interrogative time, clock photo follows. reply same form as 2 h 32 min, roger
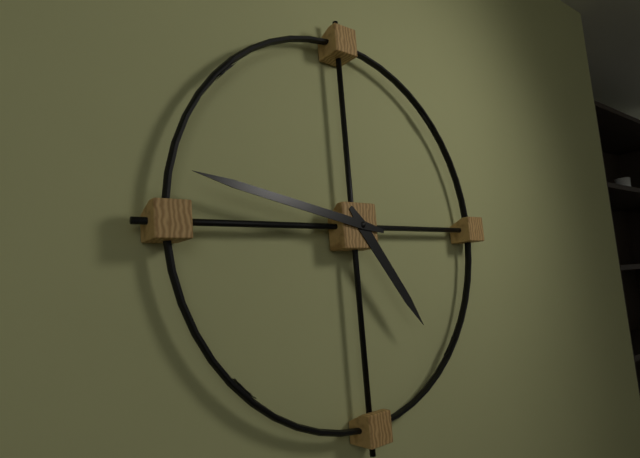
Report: 4 h 47 min
